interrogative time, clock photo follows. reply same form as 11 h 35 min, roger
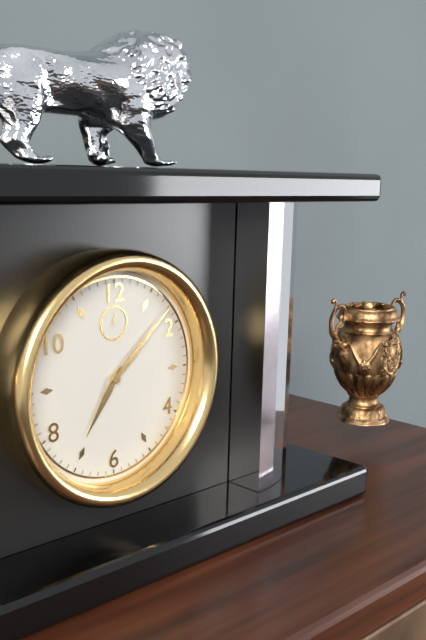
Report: 7 h 08 min
